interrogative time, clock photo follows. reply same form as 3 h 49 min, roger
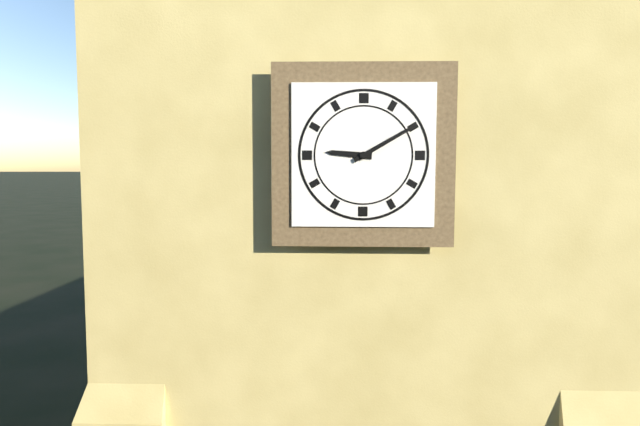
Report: 9 h 10 min
